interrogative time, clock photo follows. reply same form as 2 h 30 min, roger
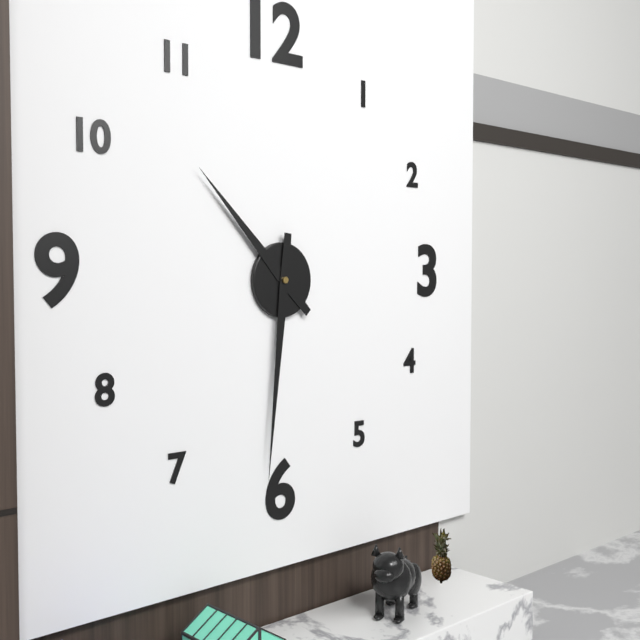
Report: 10 h 31 min
